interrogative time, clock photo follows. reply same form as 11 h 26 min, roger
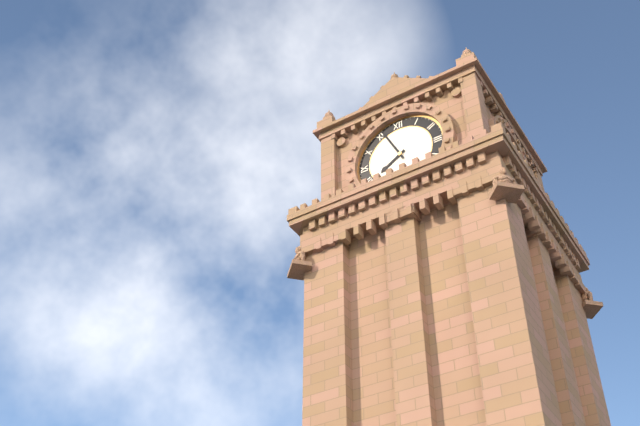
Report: 7 h 56 min
